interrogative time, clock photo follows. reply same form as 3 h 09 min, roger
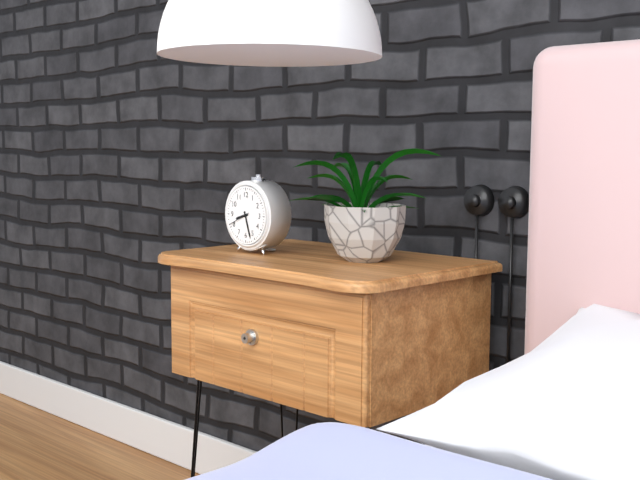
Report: 8 h 27 min
